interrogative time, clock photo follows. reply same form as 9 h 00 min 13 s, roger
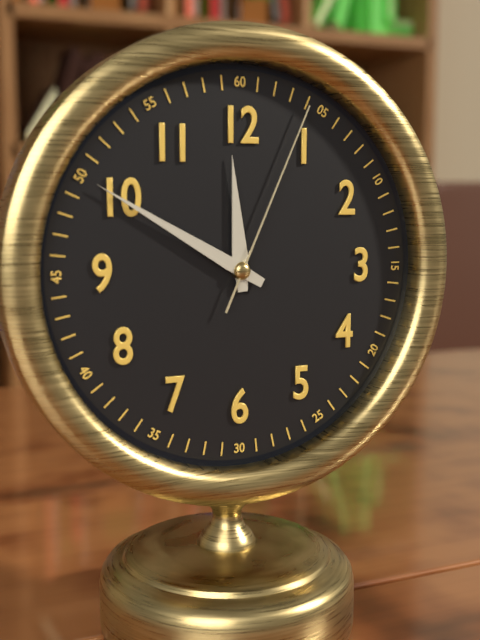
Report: 11 h 50 min 04 s
